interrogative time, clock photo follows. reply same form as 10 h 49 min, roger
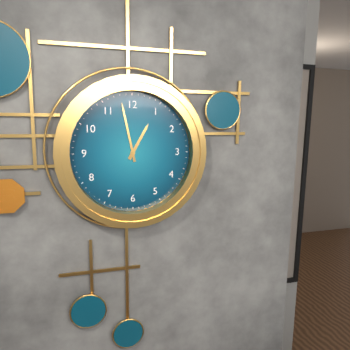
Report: 12 h 58 min
